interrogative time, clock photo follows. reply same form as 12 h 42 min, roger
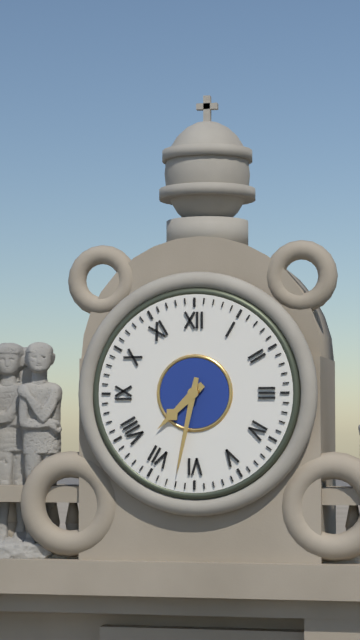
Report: 7 h 32 min
